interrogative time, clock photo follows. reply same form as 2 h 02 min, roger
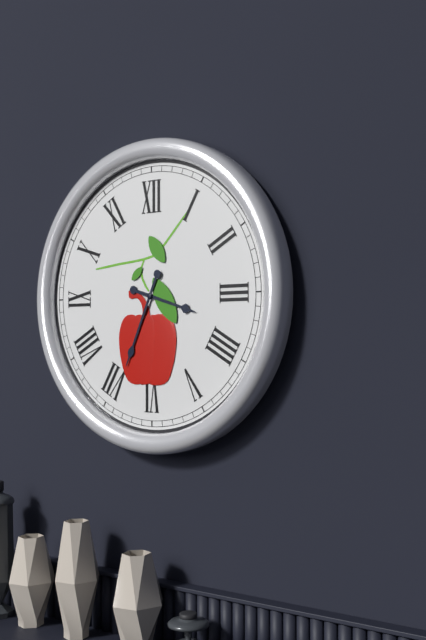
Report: 3 h 34 min
